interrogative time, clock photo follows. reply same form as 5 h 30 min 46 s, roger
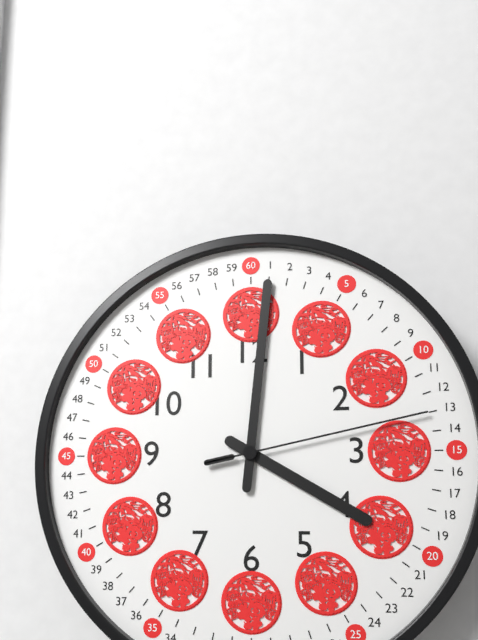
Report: 4 h 01 min 13 s
